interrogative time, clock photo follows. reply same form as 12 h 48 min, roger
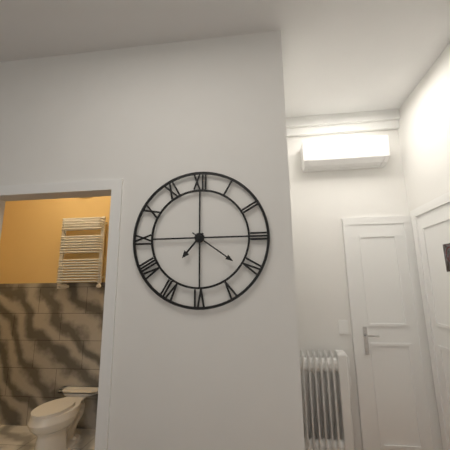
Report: 7 h 21 min
